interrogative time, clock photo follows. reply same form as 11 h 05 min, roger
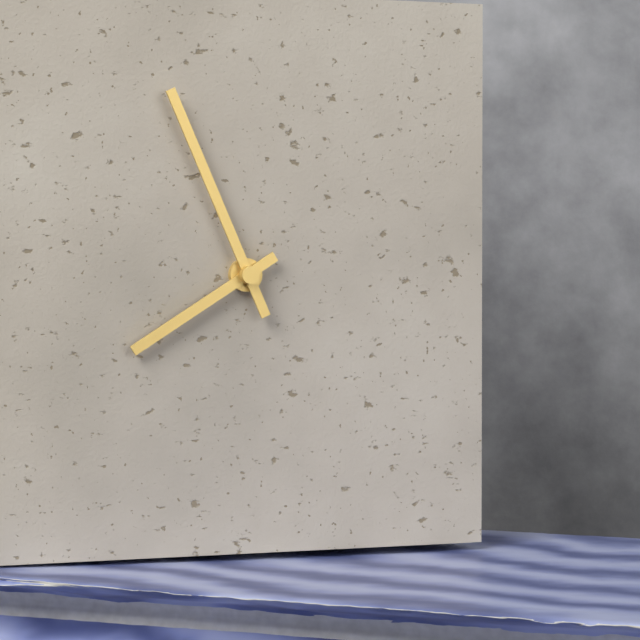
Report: 7 h 56 min
